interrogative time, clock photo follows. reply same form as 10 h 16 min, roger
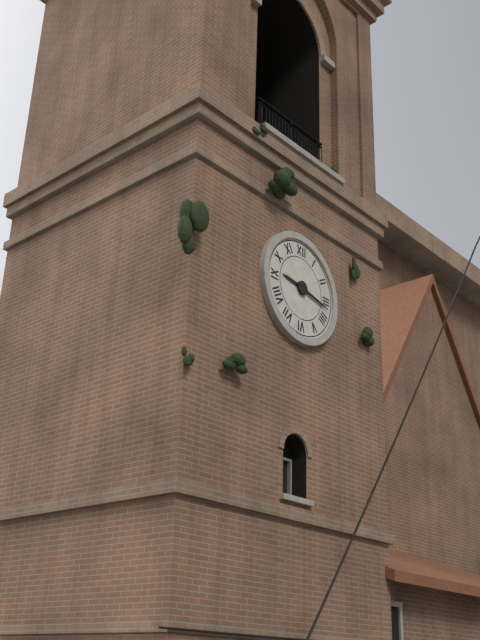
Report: 9 h 17 min
